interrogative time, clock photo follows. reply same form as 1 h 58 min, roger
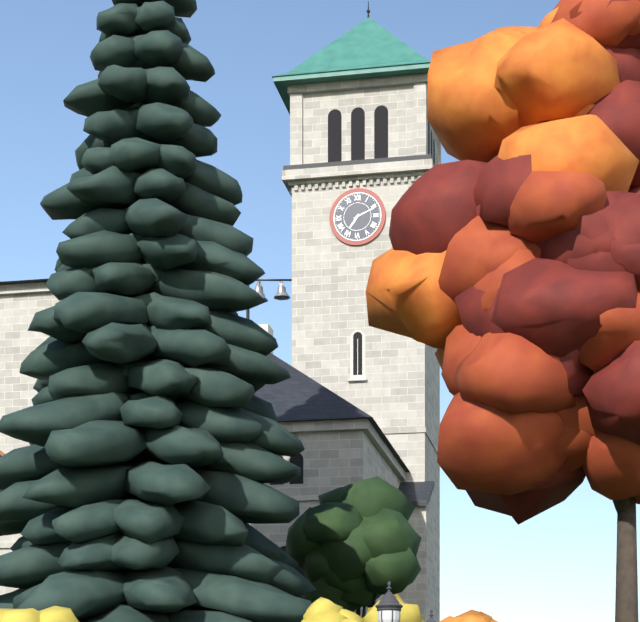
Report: 7 h 11 min
